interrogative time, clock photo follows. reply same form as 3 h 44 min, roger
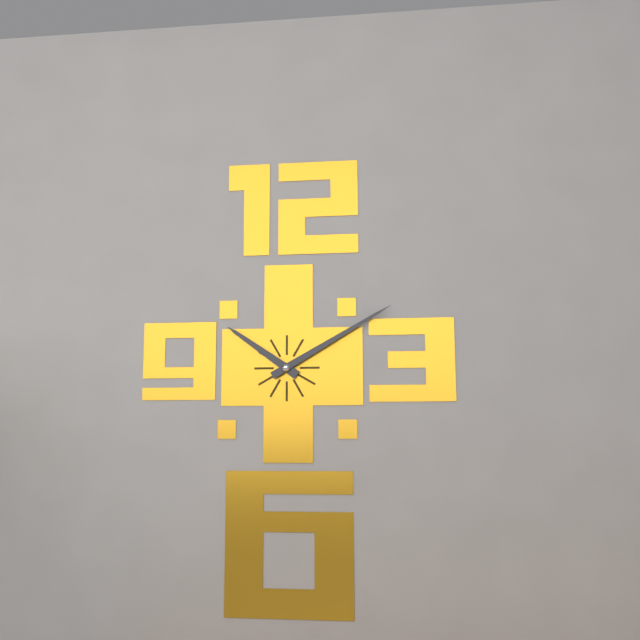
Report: 10 h 10 min
